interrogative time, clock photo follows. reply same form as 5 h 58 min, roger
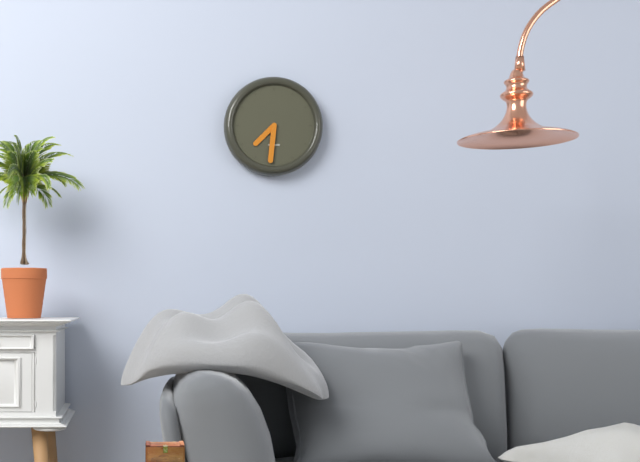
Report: 7 h 31 min
